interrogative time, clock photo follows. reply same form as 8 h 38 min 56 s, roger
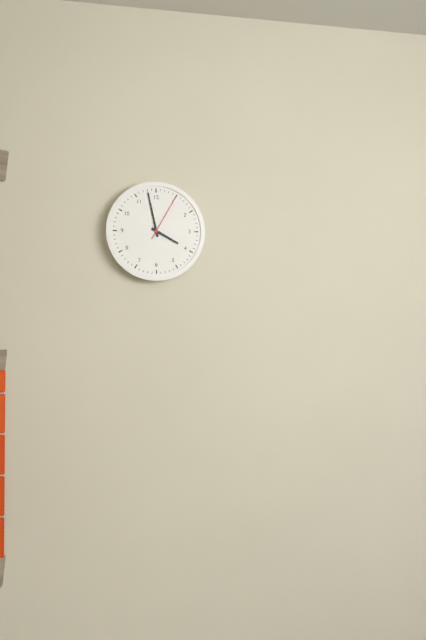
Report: 3 h 58 min 05 s
